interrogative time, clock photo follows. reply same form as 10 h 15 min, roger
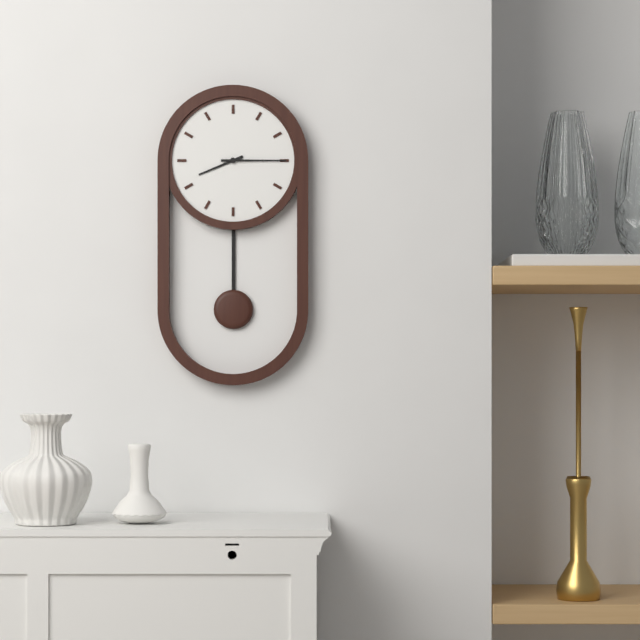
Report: 8 h 15 min
